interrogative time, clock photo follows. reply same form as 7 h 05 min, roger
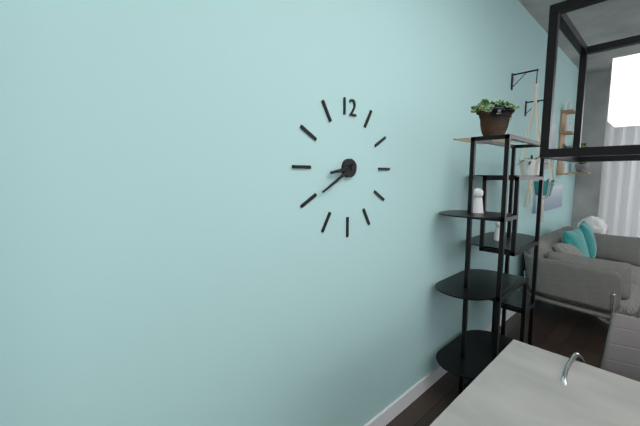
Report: 8 h 40 min
